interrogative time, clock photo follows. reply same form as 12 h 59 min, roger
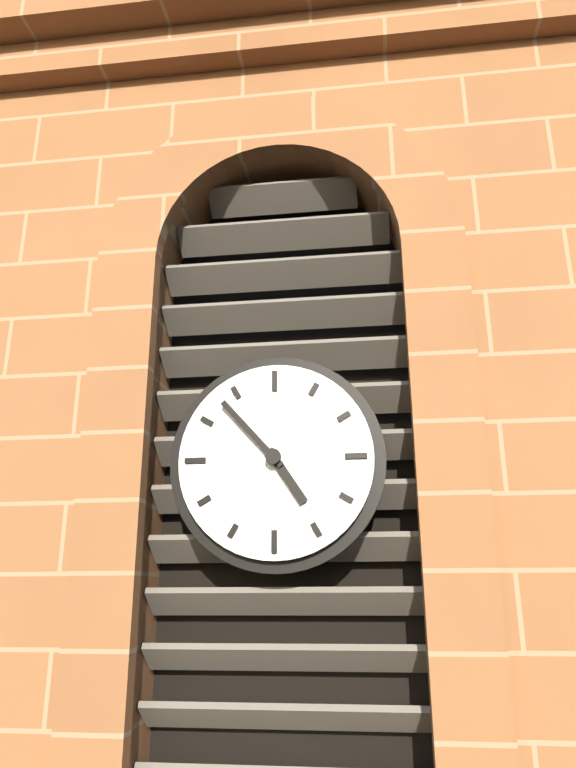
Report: 4 h 53 min
